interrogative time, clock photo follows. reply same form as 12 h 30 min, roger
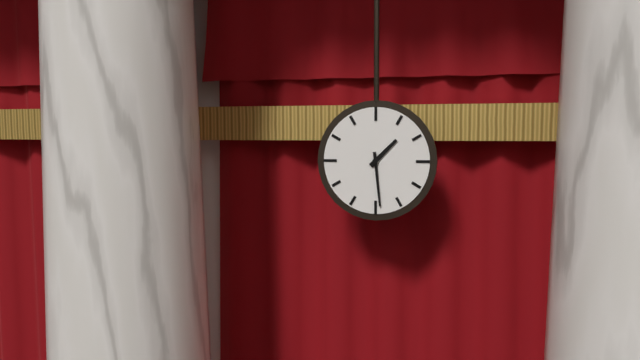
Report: 1 h 29 min
